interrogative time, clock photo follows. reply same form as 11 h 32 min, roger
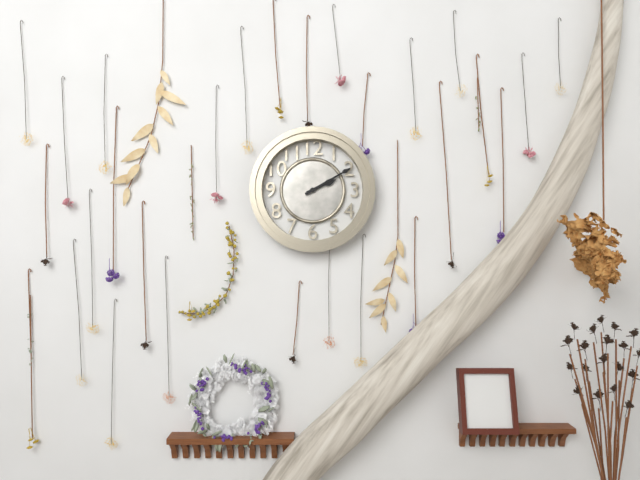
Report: 2 h 10 min
